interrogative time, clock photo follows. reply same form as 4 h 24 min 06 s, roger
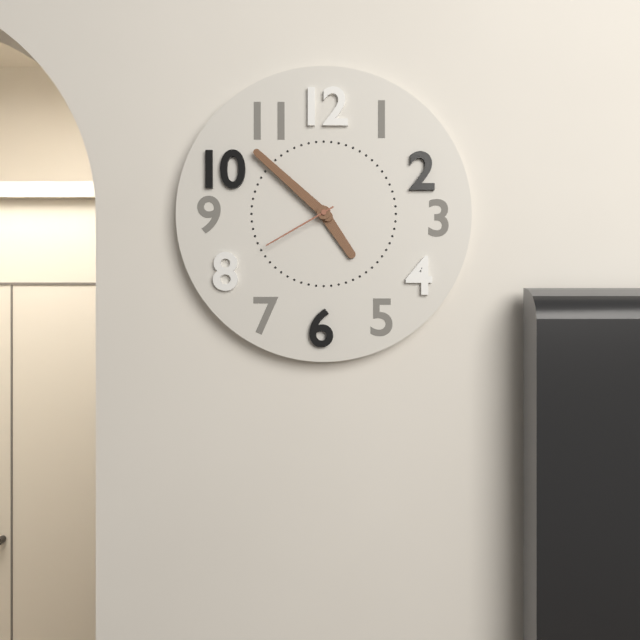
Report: 4 h 52 min 40 s
